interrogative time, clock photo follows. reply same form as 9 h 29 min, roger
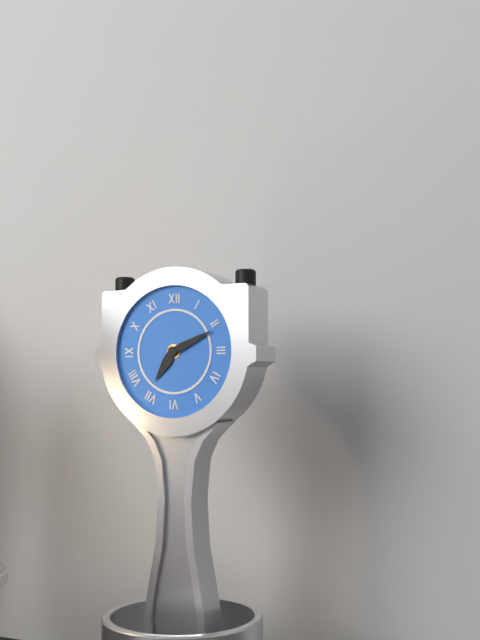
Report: 7 h 11 min
